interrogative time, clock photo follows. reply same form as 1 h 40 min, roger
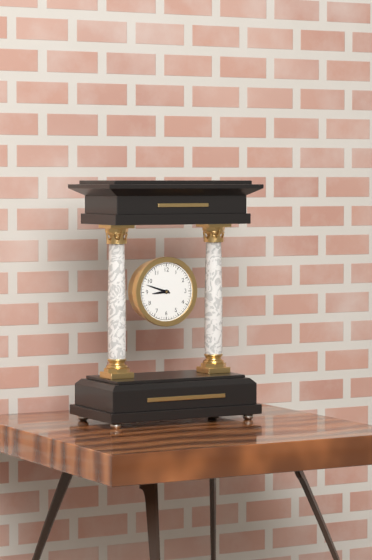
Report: 8 h 48 min
